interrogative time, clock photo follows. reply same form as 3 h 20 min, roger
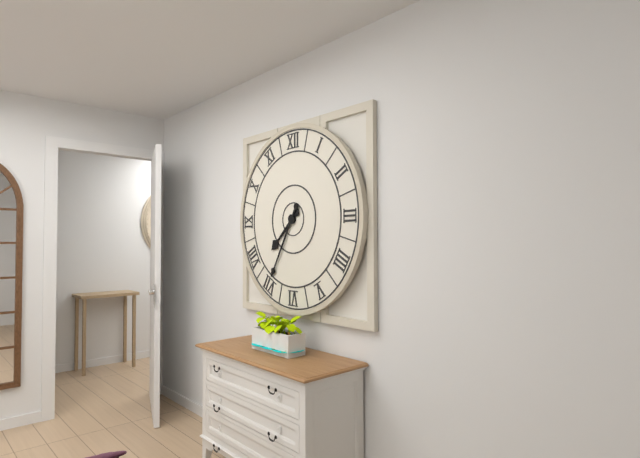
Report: 7 h 35 min
